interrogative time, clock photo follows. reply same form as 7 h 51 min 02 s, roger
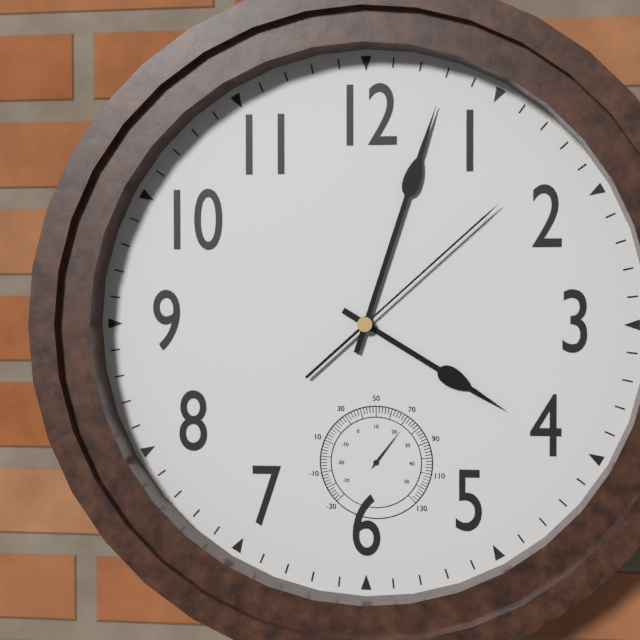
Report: 4 h 03 min 08 s
